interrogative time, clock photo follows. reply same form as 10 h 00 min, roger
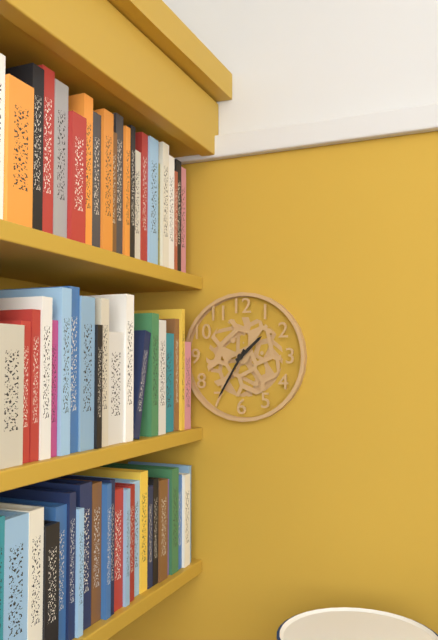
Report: 1 h 35 min
